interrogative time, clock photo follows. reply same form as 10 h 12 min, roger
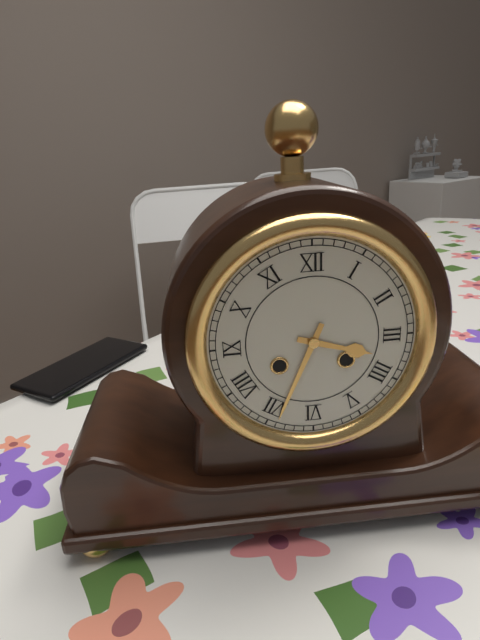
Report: 3 h 34 min
